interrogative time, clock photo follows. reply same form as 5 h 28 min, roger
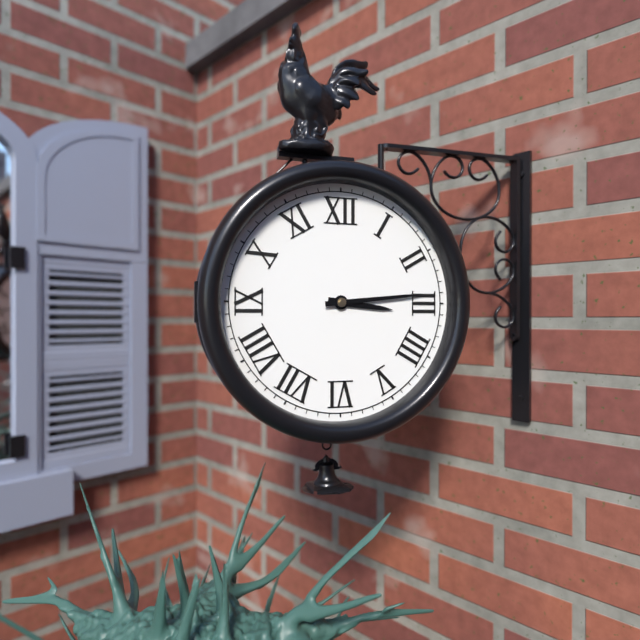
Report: 3 h 14 min
